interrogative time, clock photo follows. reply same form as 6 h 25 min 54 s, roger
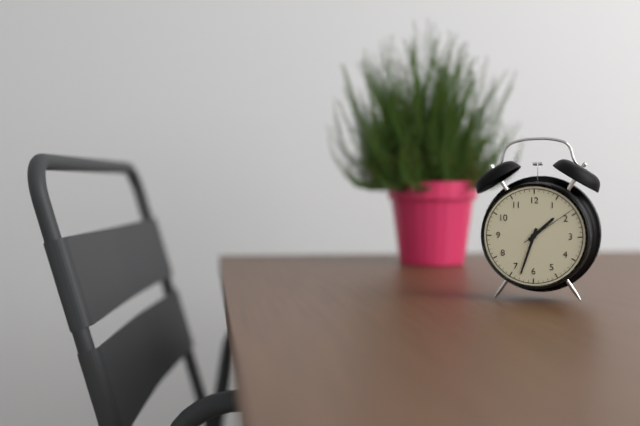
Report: 1 h 33 min 09 s
